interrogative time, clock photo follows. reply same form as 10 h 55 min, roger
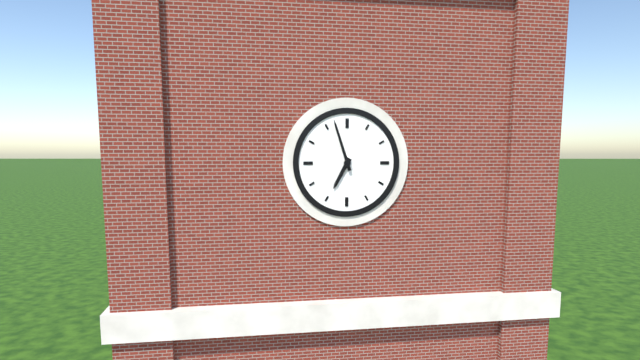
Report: 6 h 57 min
